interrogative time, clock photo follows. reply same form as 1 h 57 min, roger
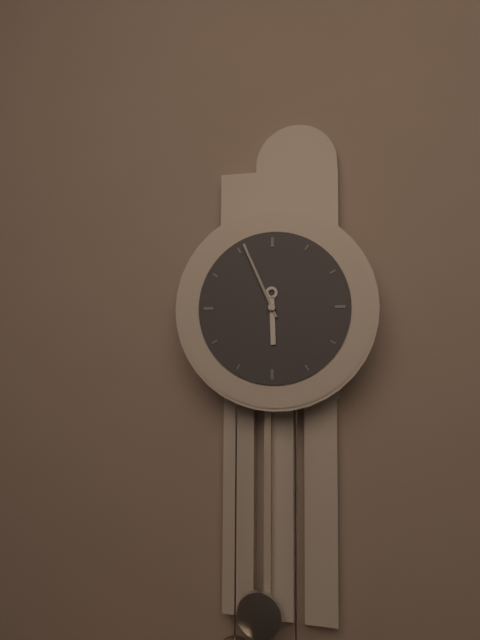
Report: 5 h 56 min
